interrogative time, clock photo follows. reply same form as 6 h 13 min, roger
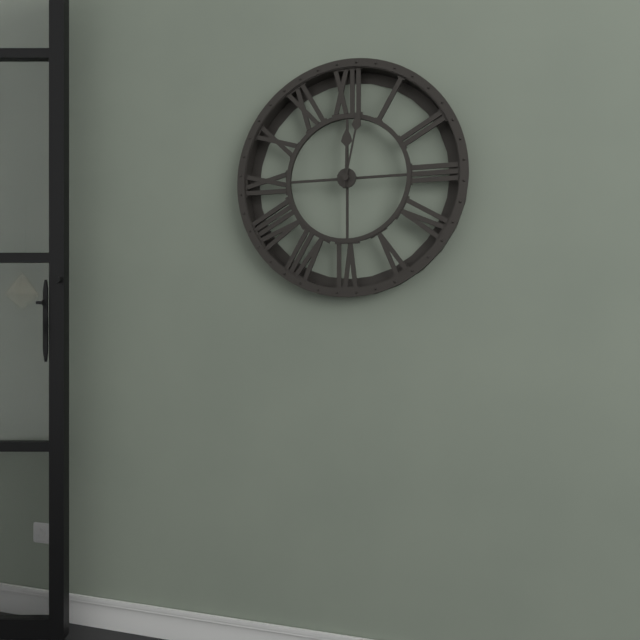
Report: 12 h 02 min
